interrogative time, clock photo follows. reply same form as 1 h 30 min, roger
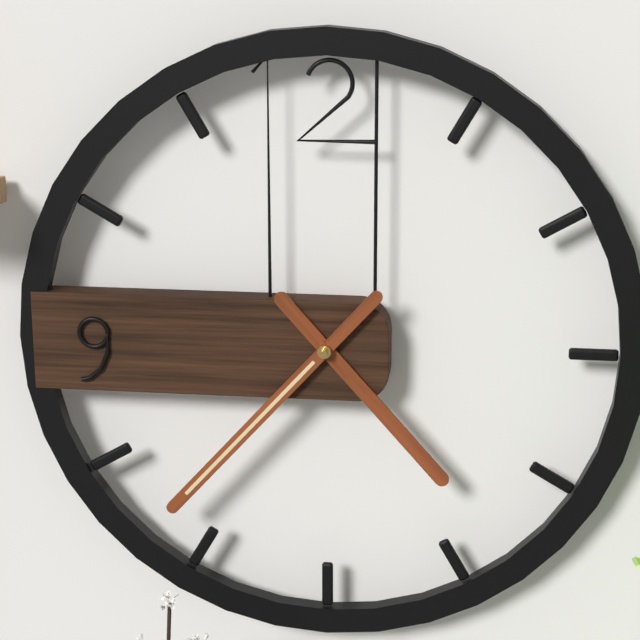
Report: 4 h 37 min
